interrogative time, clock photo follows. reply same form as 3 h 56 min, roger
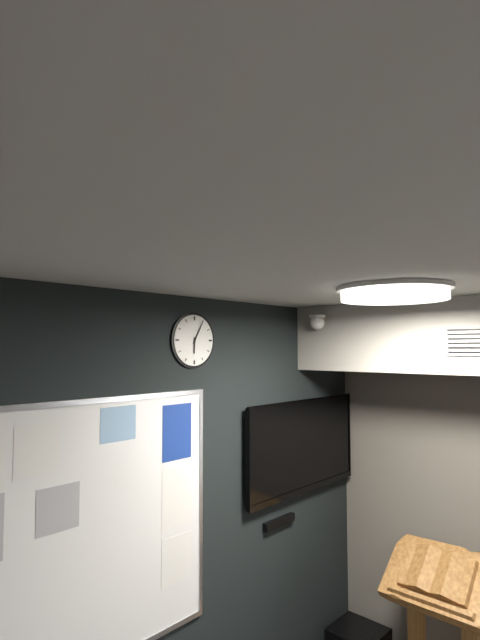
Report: 6 h 05 min
